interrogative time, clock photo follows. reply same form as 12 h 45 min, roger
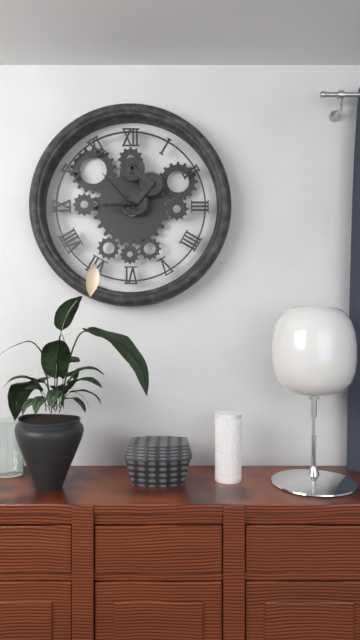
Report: 8 h 53 min
